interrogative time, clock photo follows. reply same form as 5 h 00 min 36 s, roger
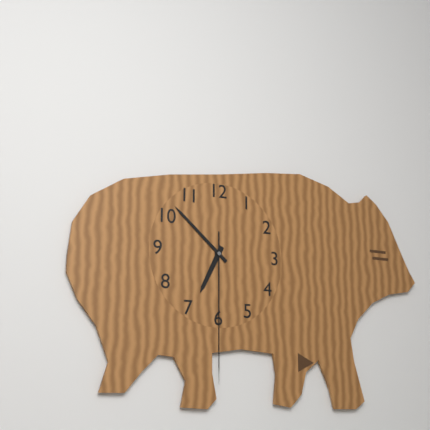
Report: 6 h 52 min 30 s
